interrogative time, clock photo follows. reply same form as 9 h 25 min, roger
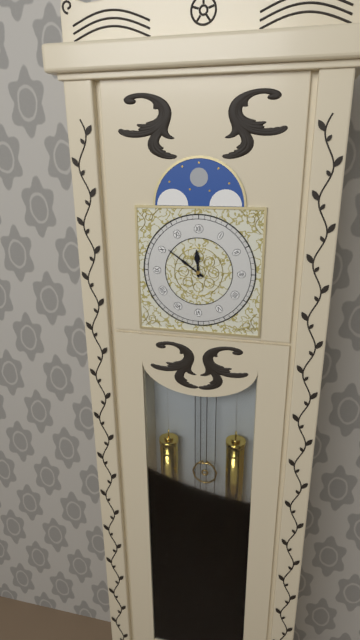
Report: 11 h 51 min
